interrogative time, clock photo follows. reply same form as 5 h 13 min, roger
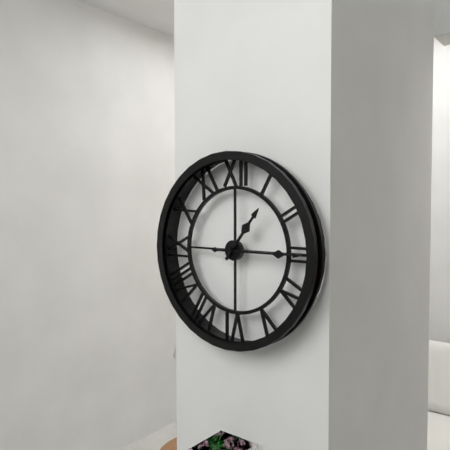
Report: 1 h 15 min
